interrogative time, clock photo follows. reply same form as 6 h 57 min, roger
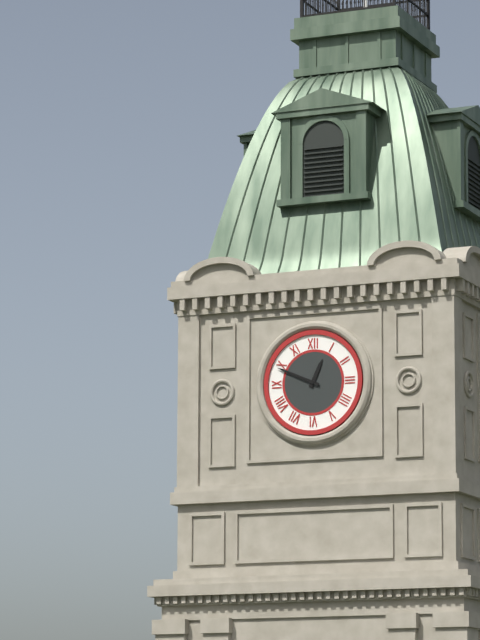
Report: 12 h 49 min
